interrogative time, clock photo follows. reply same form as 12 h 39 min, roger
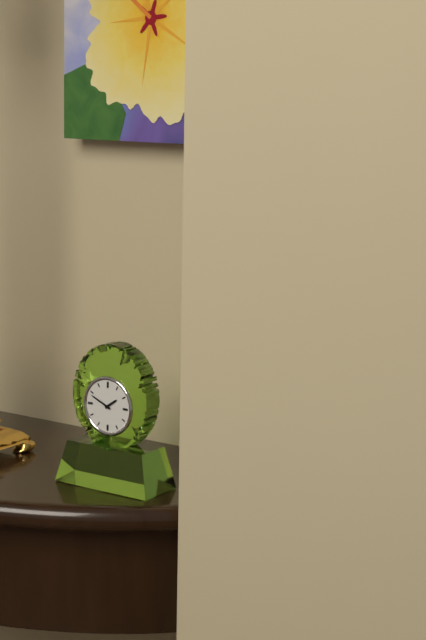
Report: 1 h 49 min
